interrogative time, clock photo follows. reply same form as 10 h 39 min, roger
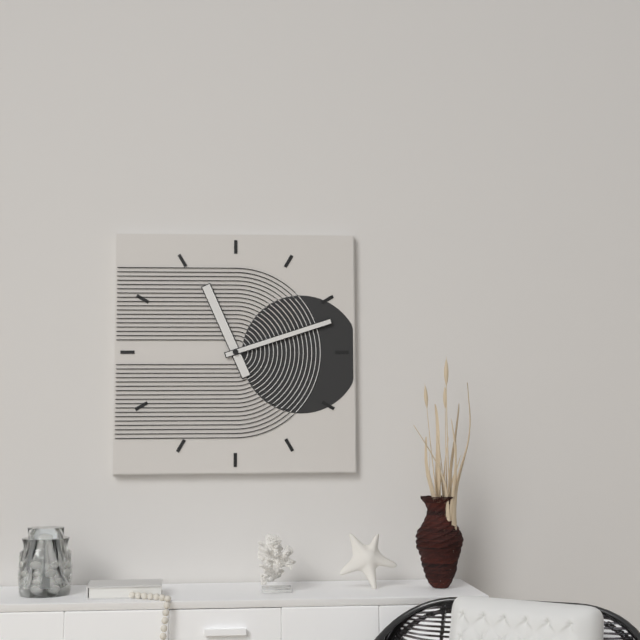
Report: 11 h 12 min
